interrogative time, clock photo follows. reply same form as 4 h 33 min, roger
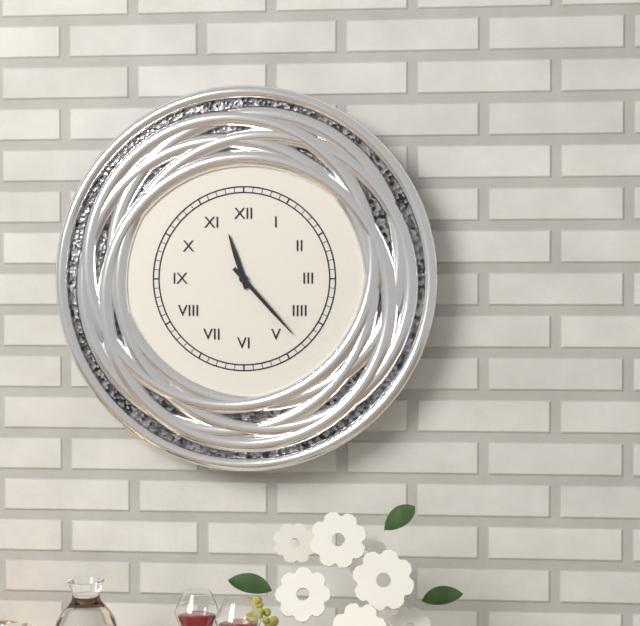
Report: 11 h 23 min
